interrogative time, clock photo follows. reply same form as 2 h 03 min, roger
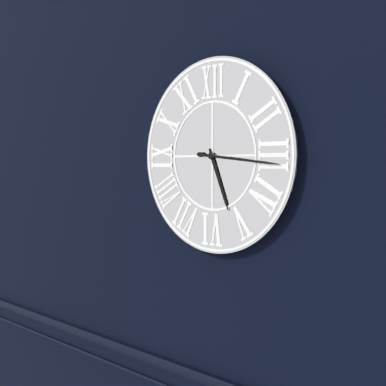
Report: 5 h 16 min
